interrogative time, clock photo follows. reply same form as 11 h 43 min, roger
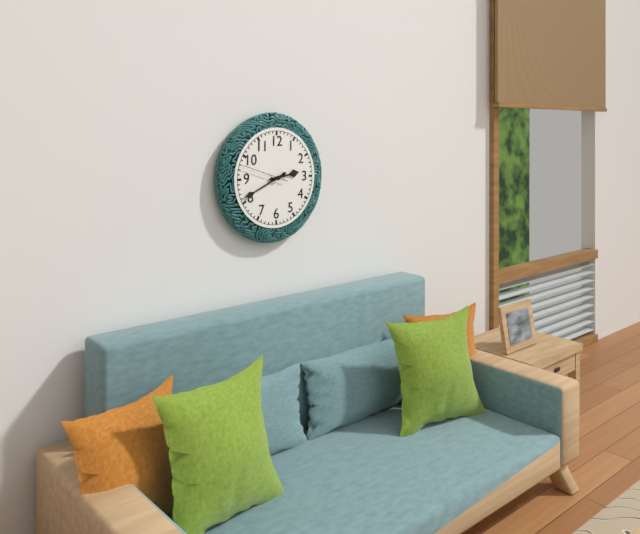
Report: 2 h 41 min
